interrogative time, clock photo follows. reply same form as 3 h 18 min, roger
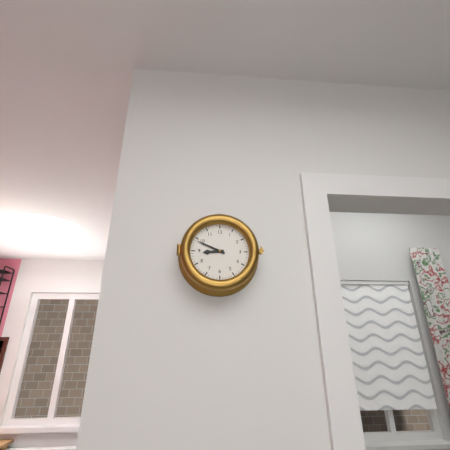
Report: 8 h 49 min
